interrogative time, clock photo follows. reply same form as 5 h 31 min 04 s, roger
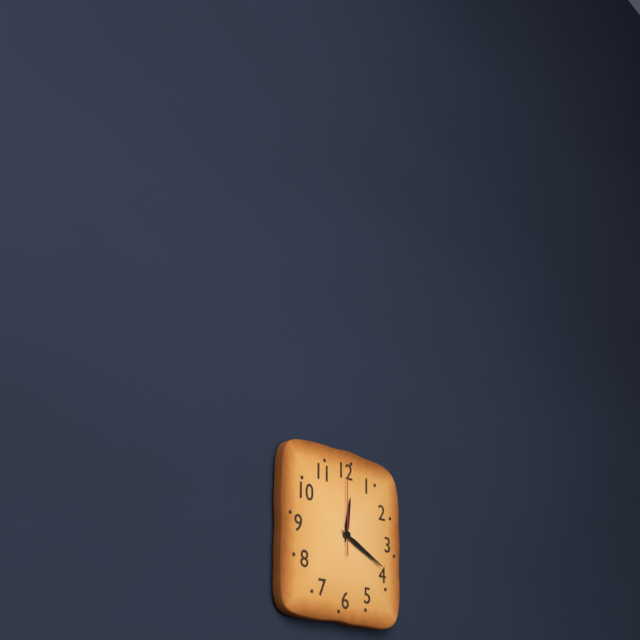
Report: 12 h 19 min 00 s
